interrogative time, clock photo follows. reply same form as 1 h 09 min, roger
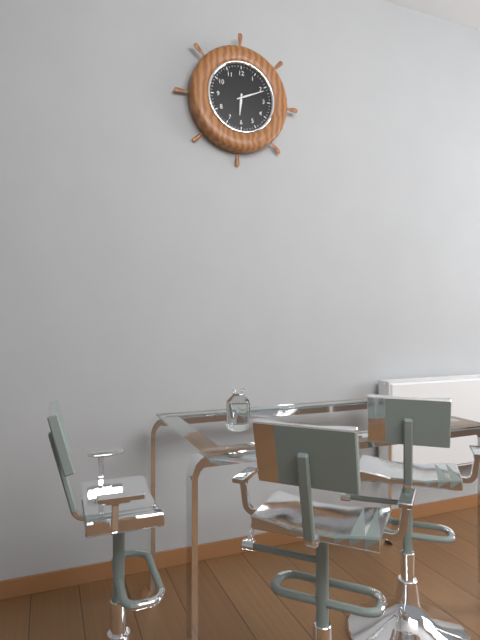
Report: 6 h 11 min
